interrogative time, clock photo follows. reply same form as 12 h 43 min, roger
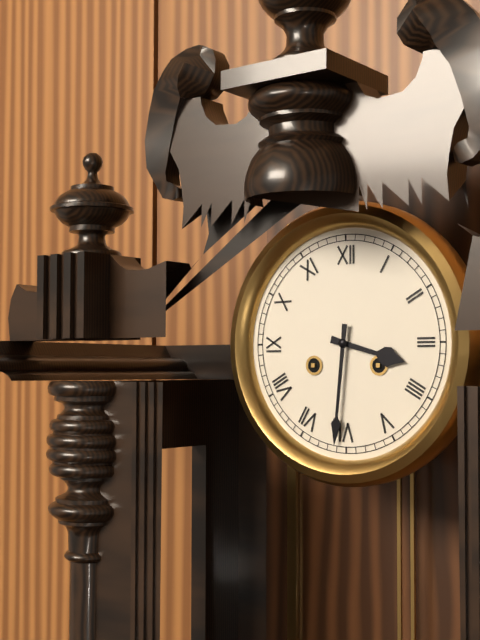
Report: 3 h 31 min
